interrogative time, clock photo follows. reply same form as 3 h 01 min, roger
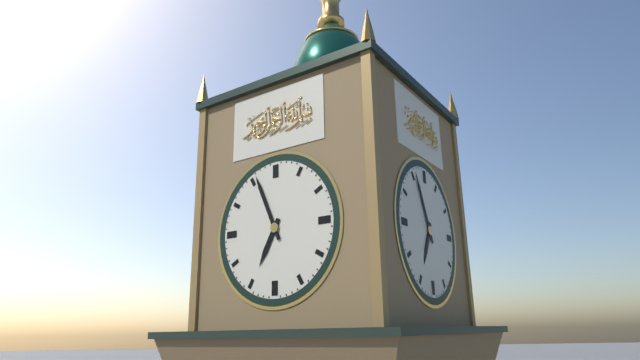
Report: 6 h 56 min
